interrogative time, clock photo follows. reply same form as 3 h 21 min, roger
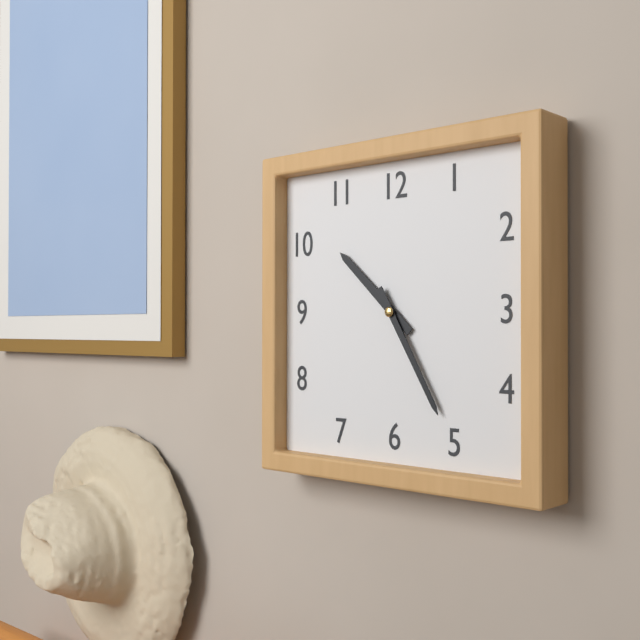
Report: 10 h 25 min
